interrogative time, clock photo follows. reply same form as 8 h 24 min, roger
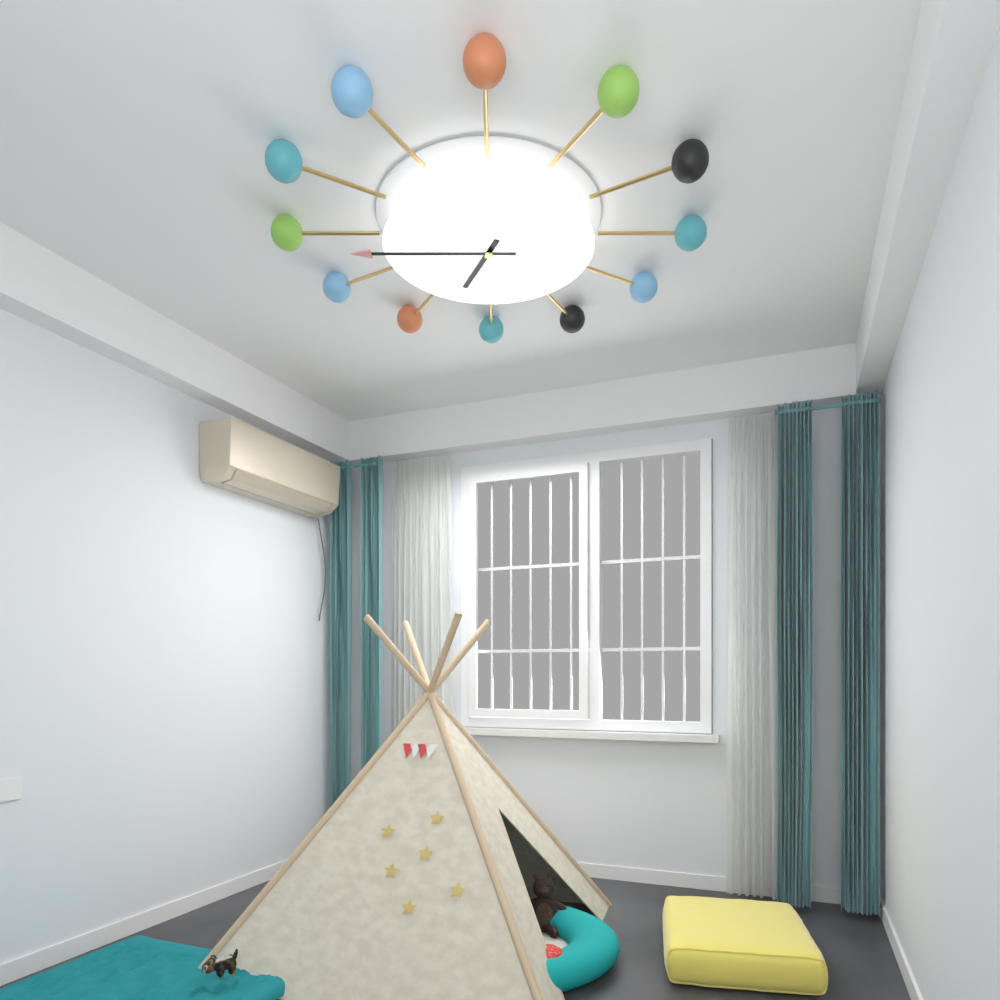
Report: 6 h 45 min
